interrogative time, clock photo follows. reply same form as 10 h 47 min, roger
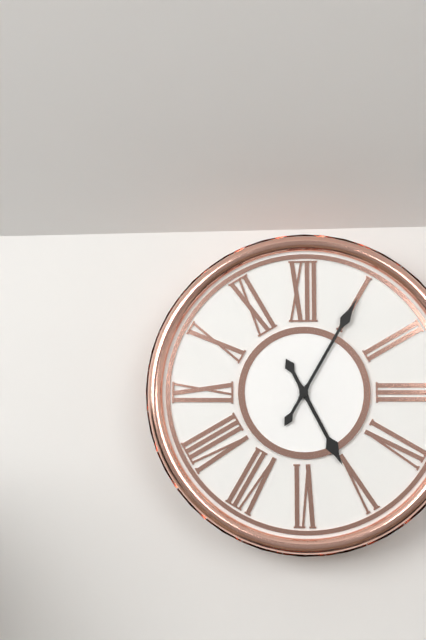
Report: 5 h 05 min
